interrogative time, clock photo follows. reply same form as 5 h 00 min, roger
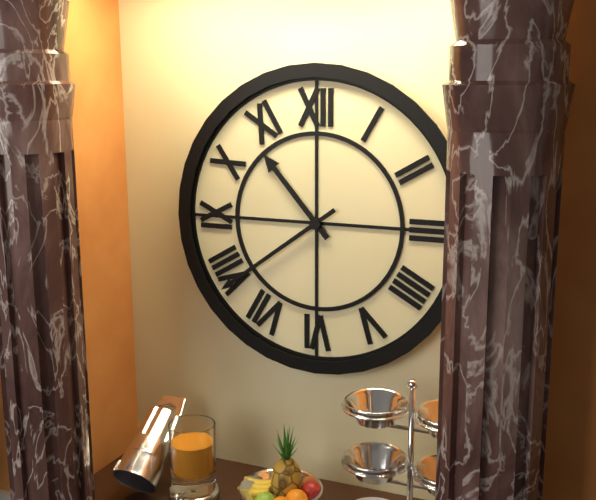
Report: 10 h 39 min
